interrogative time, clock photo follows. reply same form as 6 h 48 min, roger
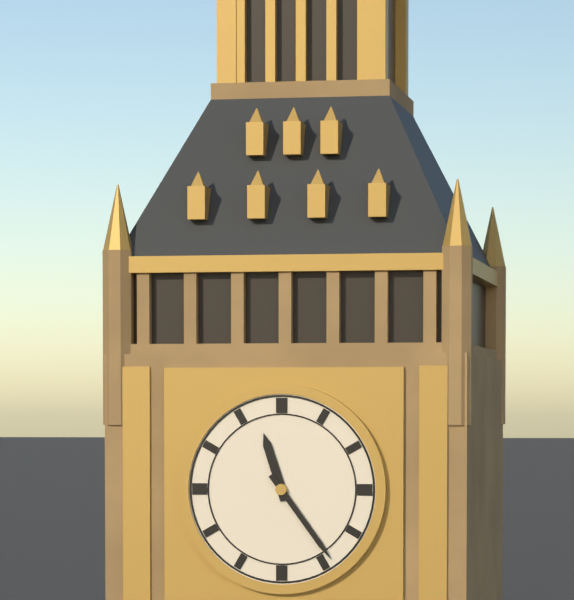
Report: 11 h 24 min
